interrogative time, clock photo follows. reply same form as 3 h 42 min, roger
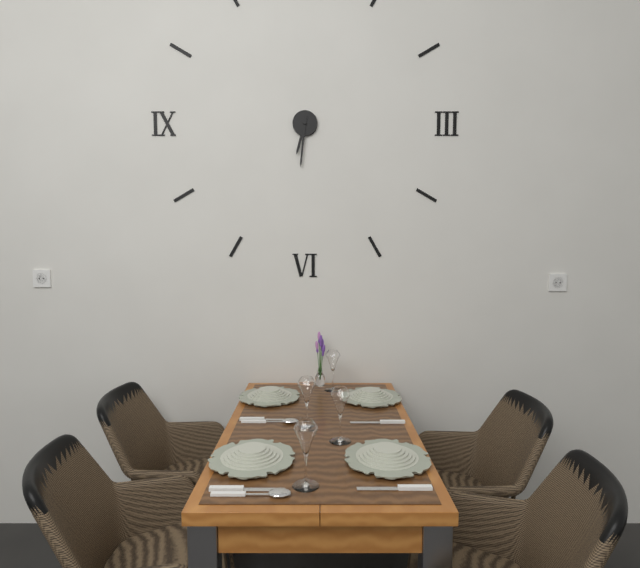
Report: 6 h 31 min
